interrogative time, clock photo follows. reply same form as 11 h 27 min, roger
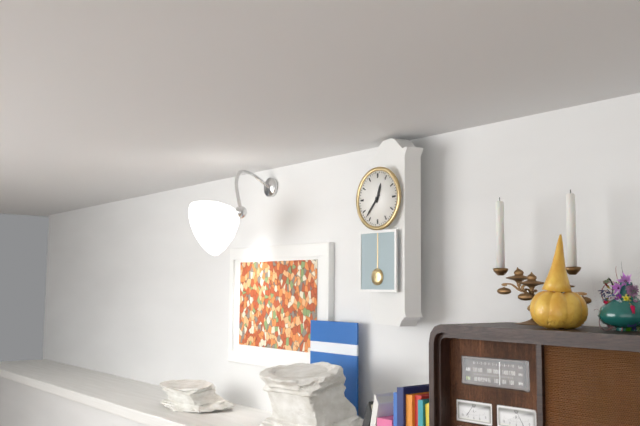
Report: 12 h 37 min
